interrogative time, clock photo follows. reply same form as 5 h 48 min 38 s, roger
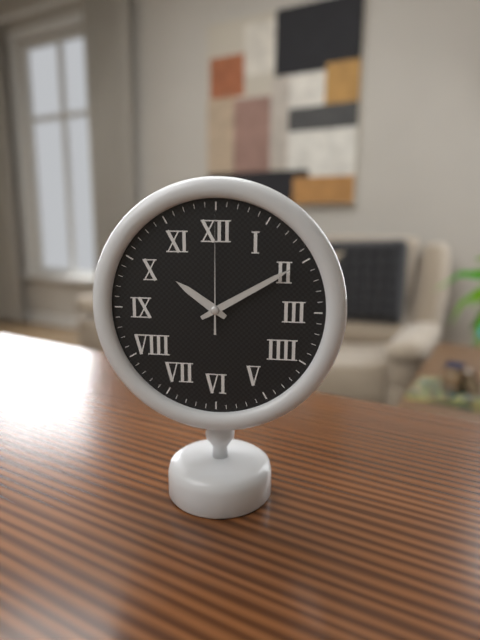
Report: 10 h 10 min 00 s
